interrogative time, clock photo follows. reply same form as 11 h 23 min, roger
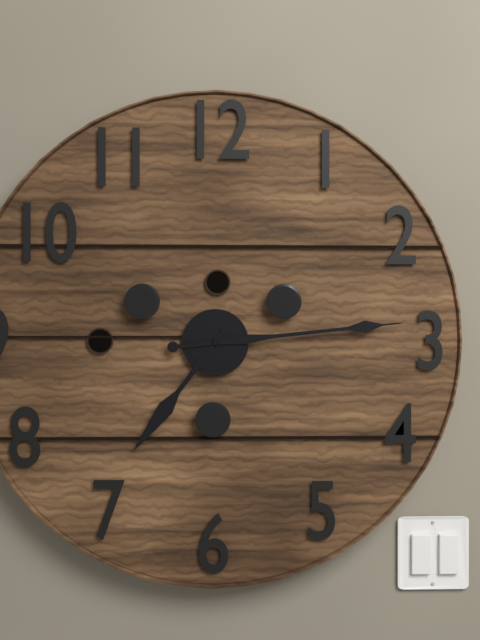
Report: 7 h 14 min
